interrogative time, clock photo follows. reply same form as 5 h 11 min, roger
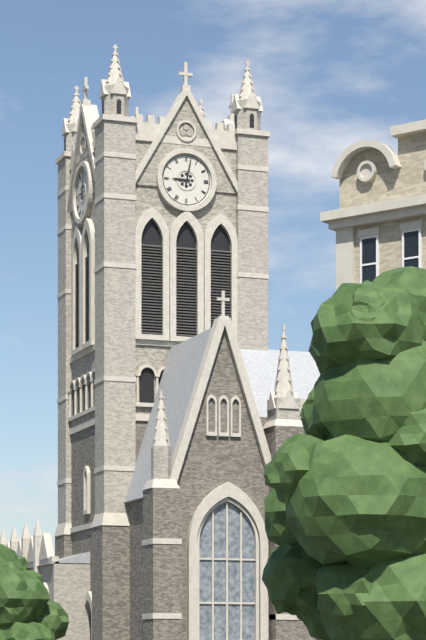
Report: 9 h 02 min
